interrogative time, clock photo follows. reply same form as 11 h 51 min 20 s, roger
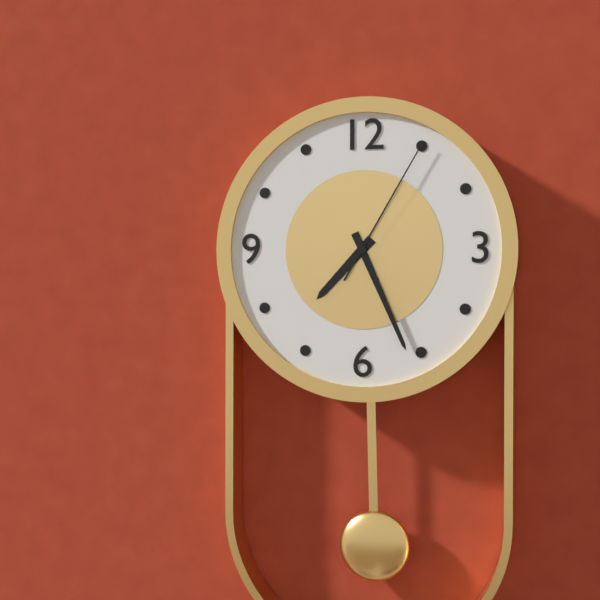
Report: 7 h 26 min 05 s
